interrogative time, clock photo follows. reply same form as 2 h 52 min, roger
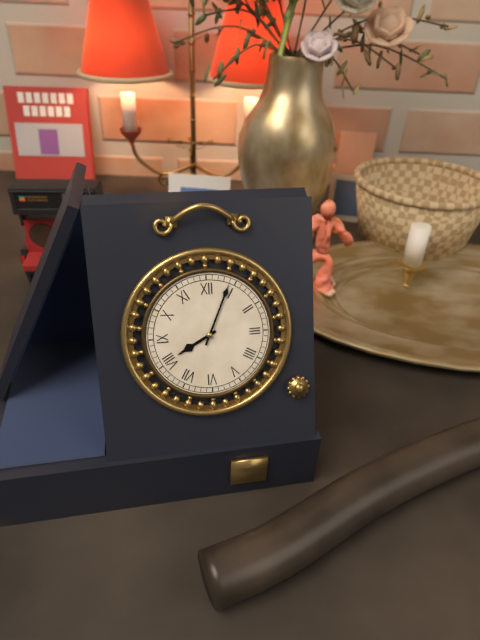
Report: 8 h 04 min
